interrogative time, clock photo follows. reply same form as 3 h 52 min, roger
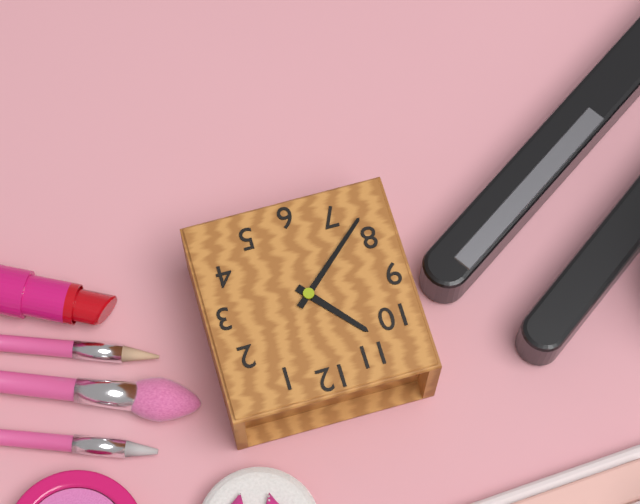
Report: 10 h 38 min
